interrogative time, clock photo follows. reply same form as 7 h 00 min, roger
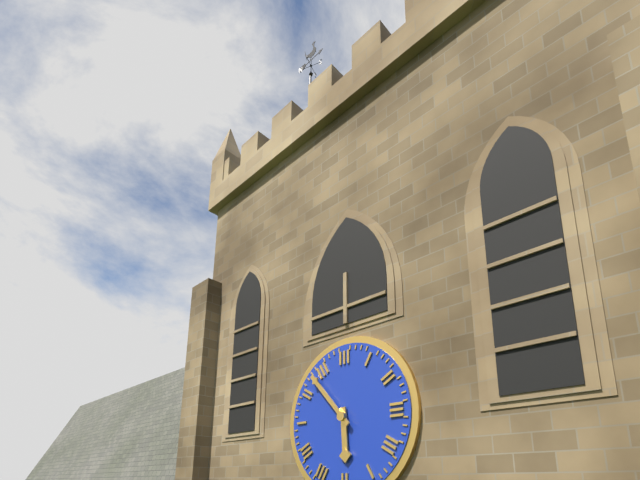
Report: 5 h 53 min
